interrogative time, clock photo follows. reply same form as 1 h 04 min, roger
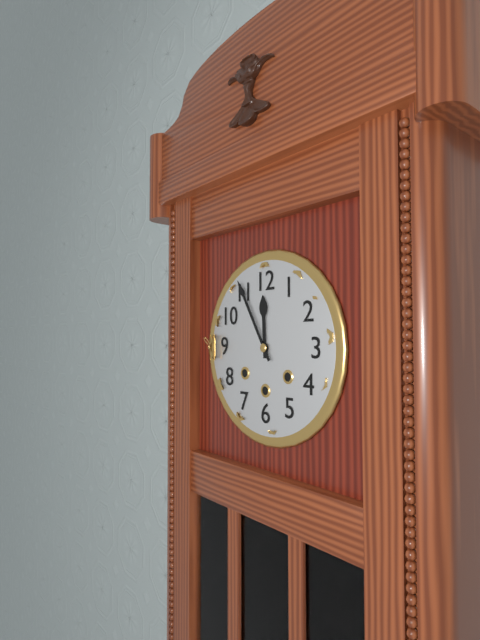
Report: 11 h 55 min
